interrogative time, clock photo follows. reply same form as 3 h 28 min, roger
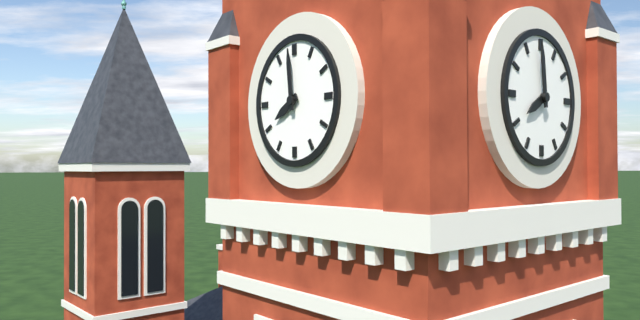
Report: 7 h 59 min
